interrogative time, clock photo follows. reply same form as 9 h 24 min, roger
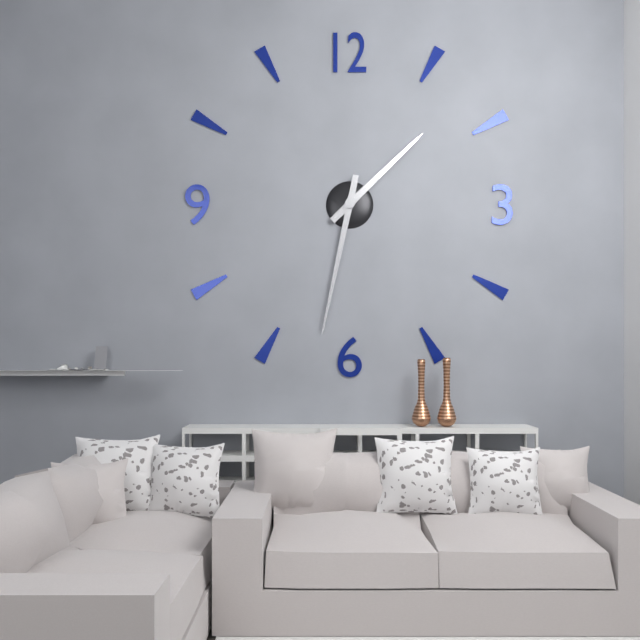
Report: 1 h 32 min
